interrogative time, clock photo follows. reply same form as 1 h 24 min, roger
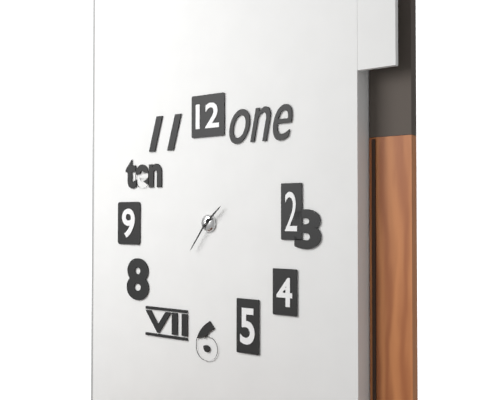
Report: 1 h 36 min
